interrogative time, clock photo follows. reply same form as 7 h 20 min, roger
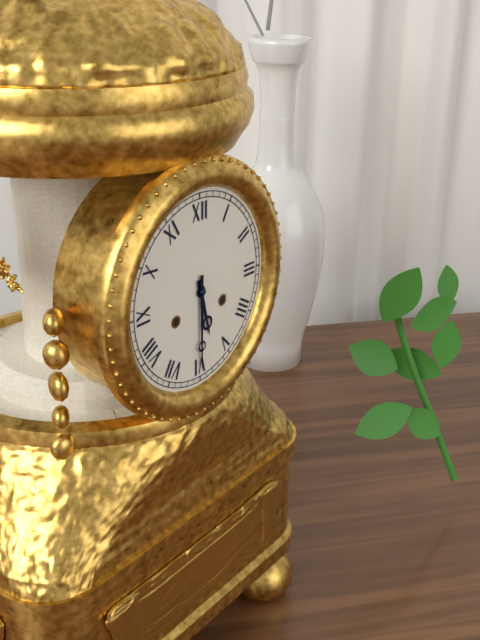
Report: 5 h 30 min
